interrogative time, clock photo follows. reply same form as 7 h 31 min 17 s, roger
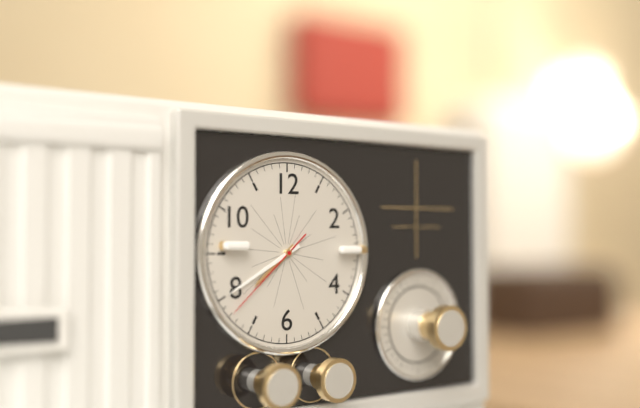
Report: 7 h 40 min 38 s
